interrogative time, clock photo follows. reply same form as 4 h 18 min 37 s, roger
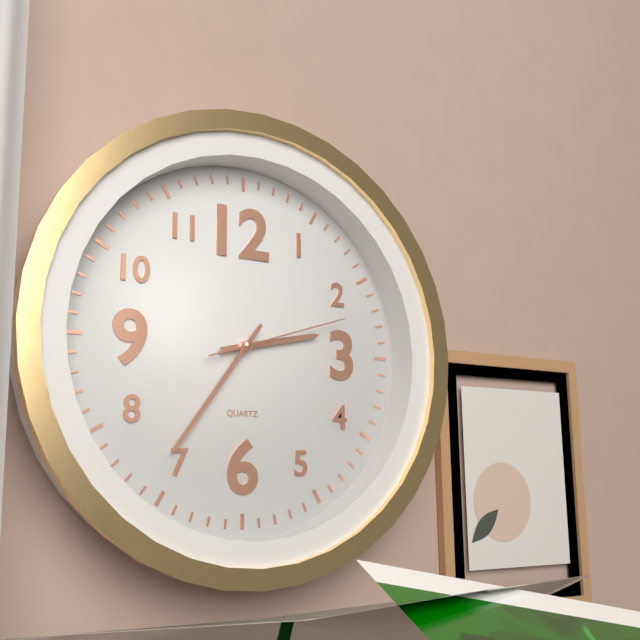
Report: 2 h 36 min 12 s
